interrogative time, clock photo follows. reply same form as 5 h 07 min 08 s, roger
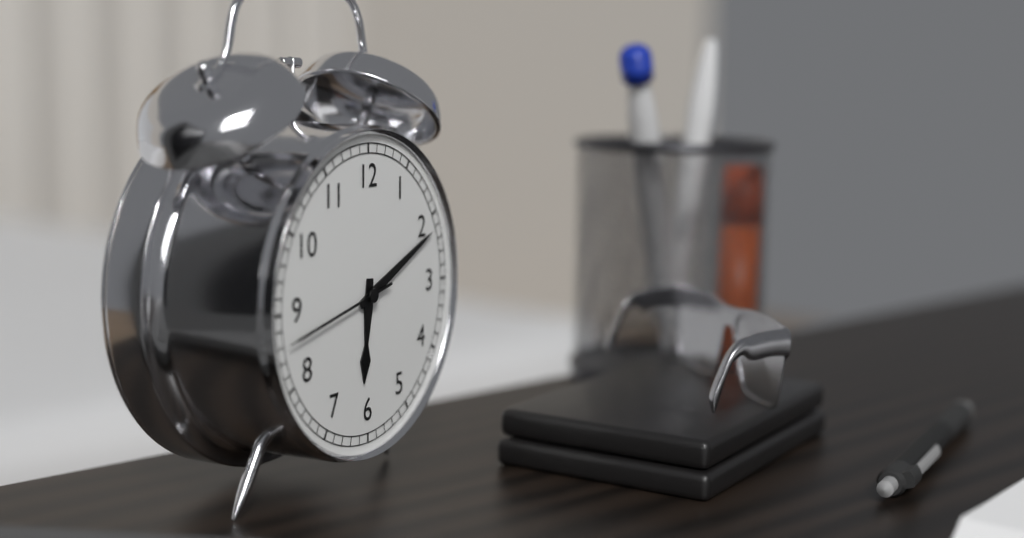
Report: 6 h 11 min 43 s
